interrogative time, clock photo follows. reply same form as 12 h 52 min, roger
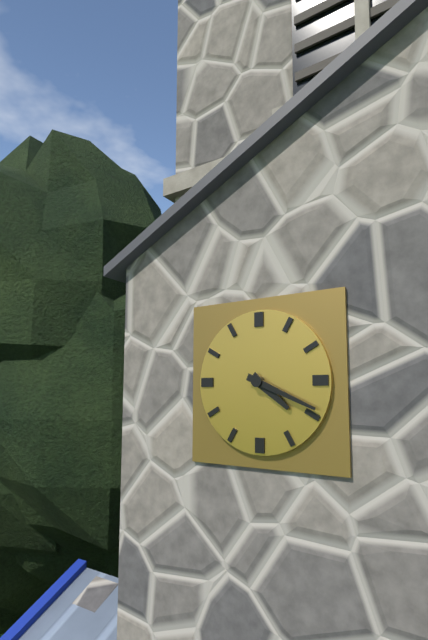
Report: 4 h 19 min
